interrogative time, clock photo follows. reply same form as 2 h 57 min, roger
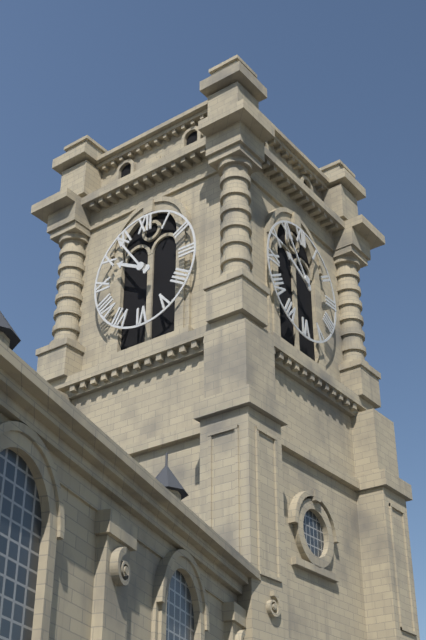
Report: 9 h 54 min
